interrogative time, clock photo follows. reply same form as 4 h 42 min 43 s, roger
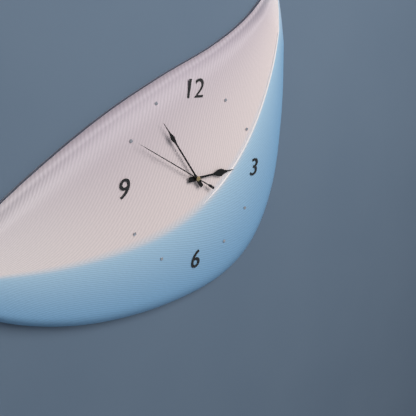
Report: 2 h 54 min 50 s
